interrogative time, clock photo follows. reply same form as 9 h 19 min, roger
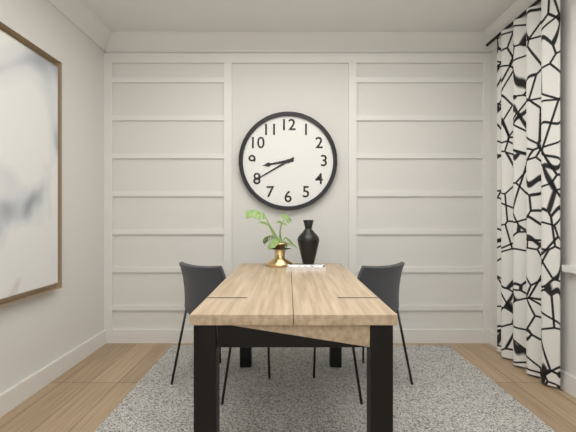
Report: 8 h 40 min
